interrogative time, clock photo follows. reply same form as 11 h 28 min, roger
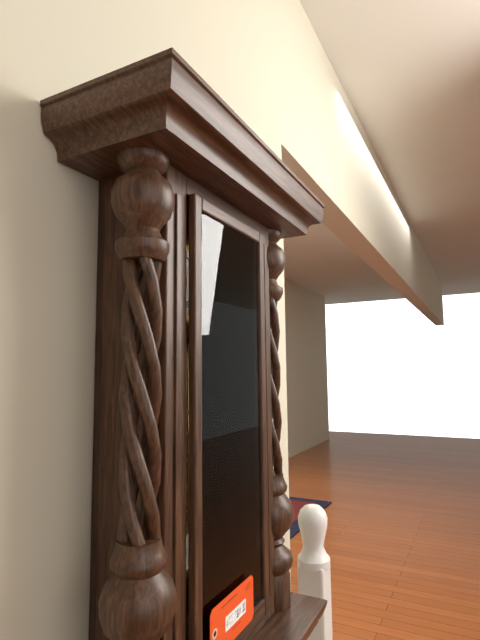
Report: 6 h 00 min
